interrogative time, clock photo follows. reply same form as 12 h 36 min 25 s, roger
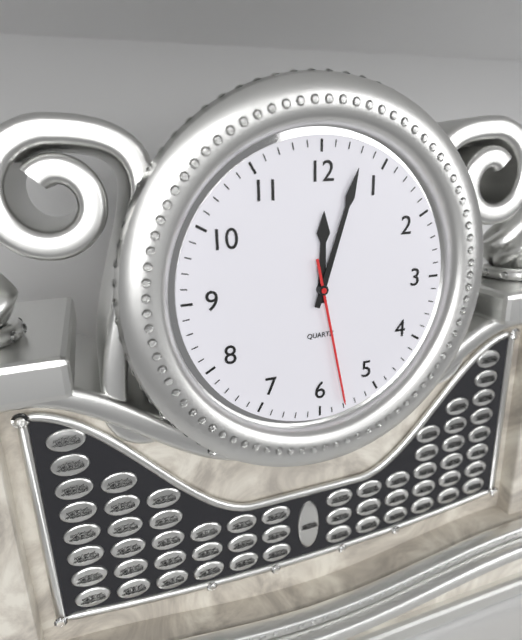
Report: 12 h 03 min 28 s
